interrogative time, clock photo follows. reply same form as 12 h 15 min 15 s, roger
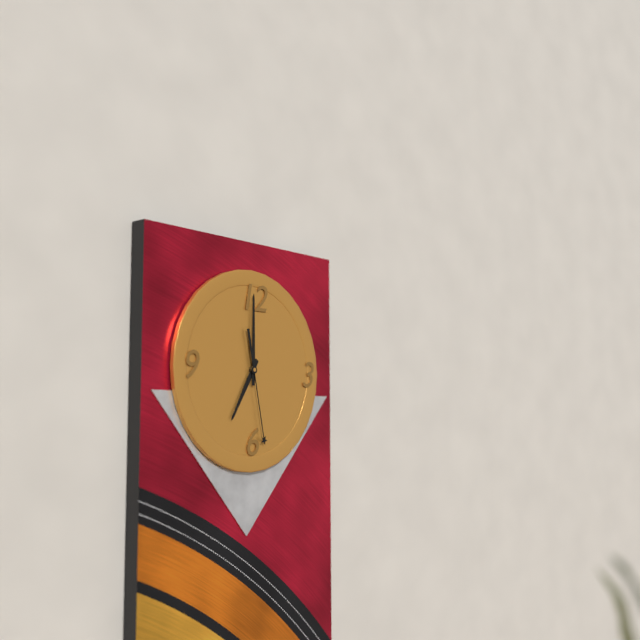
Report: 7 h 00 min 28 s
